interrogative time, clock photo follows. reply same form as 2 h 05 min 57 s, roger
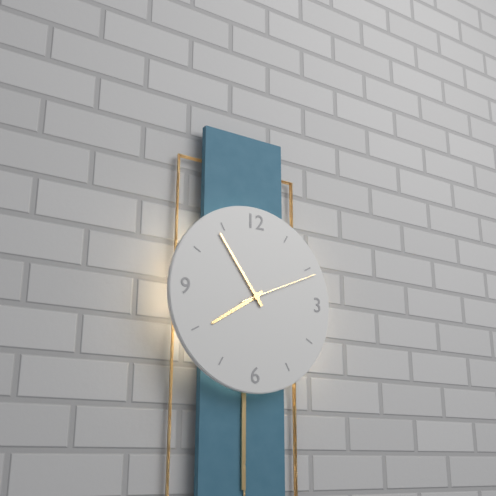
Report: 7 h 54 min 11 s
